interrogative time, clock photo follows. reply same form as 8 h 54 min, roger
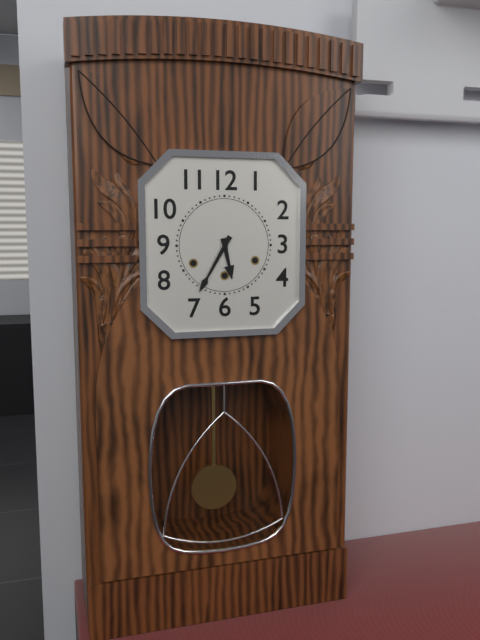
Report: 5 h 35 min
